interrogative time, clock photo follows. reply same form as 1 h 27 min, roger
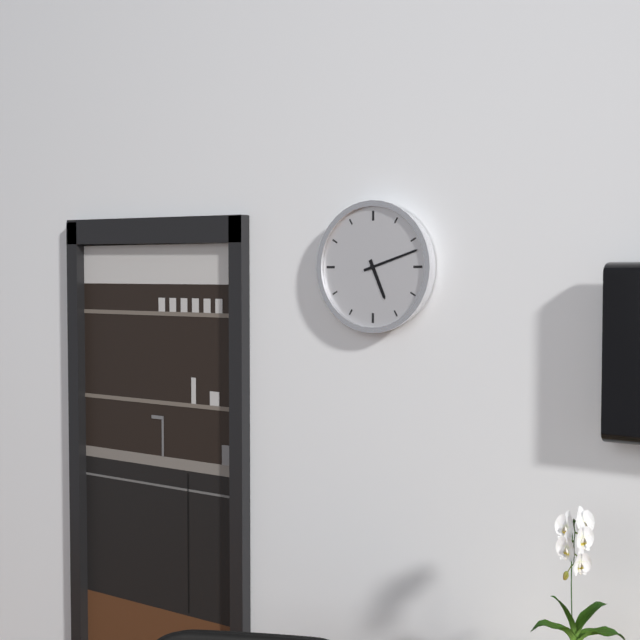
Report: 5 h 12 min
